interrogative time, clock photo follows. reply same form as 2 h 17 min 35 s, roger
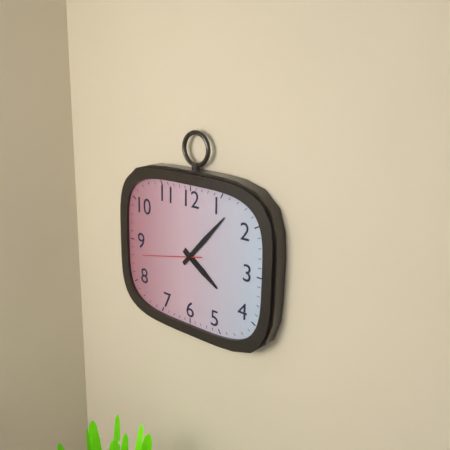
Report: 4 h 07 min 43 s
